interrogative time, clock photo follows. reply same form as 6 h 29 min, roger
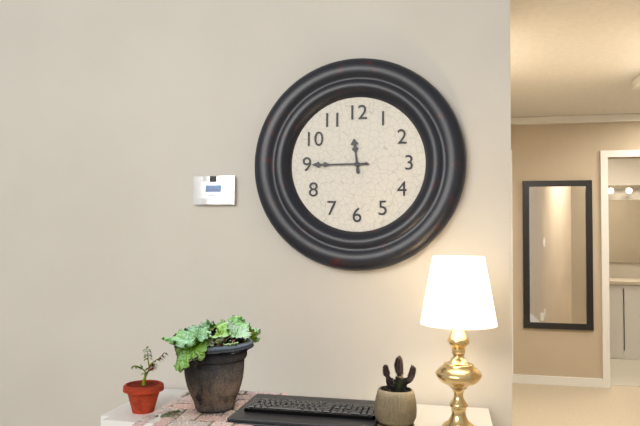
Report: 11 h 45 min
